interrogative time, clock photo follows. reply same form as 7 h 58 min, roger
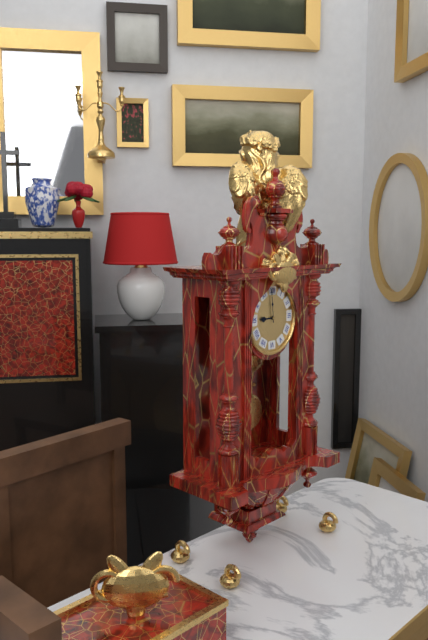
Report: 8 h 59 min
